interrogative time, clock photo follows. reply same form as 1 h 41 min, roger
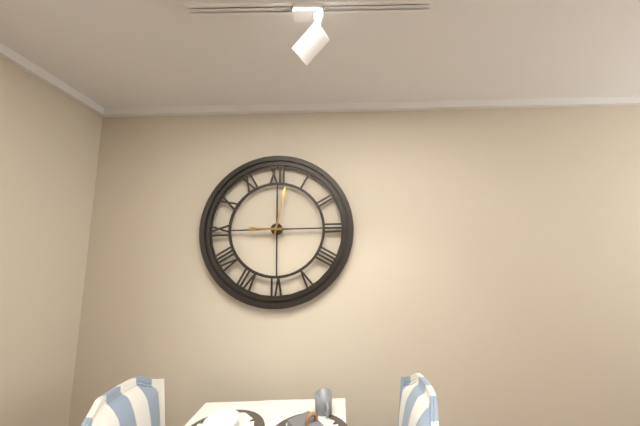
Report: 9 h 02 min
